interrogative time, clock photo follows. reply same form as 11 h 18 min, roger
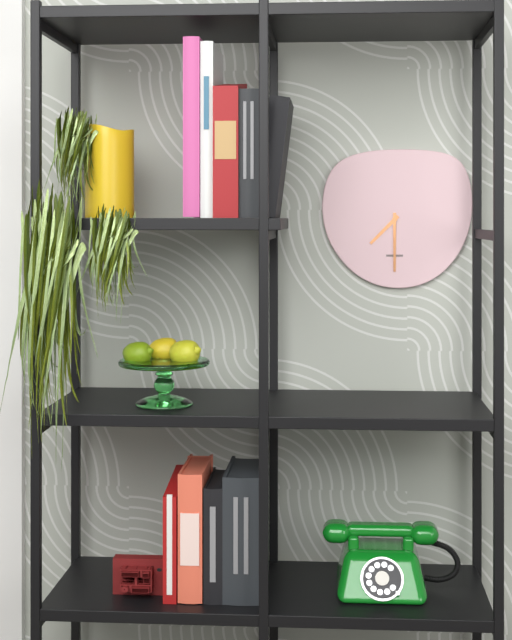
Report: 7 h 30 min
